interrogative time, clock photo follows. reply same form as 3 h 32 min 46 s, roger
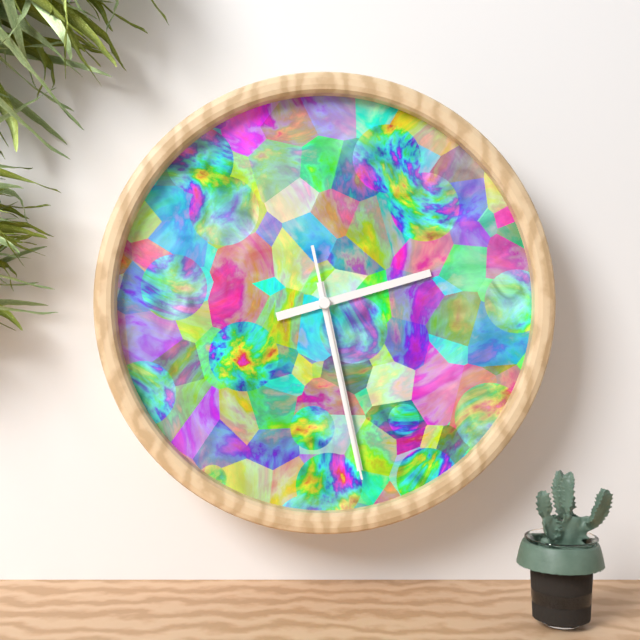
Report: 2 h 28 min 28 s
